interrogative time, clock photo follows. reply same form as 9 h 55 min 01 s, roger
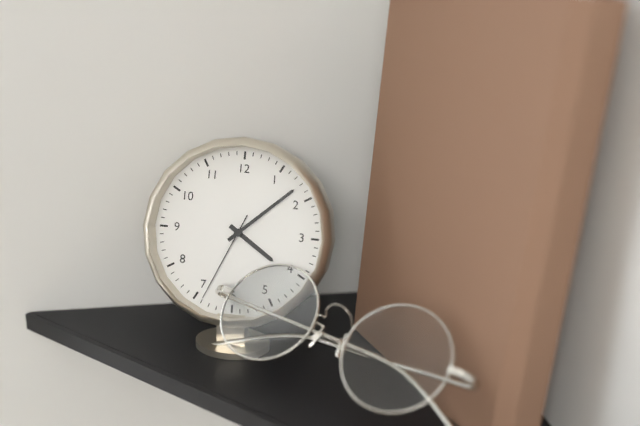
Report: 4 h 08 min 34 s
